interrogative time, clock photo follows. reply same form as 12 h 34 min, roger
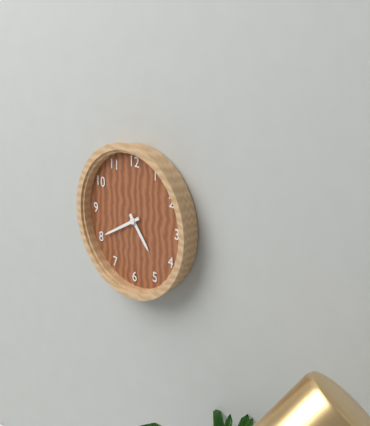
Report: 4 h 40 min
